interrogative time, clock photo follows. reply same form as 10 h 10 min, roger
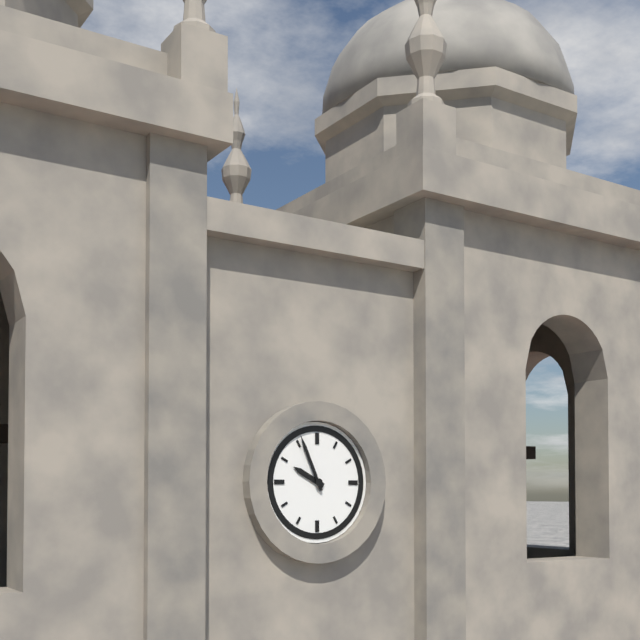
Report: 9 h 56 min
